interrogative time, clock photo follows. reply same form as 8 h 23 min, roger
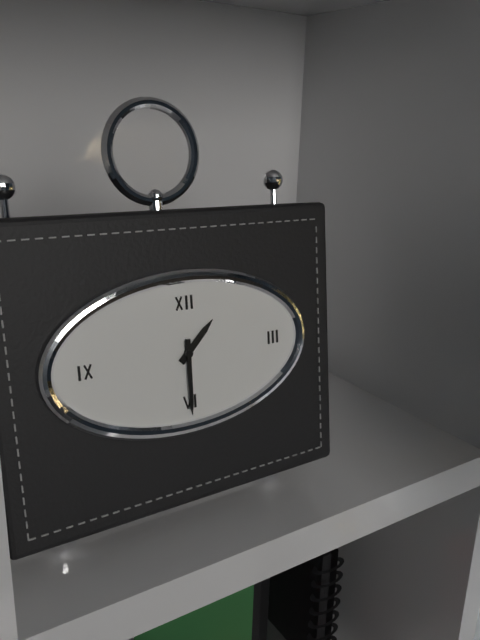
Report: 1 h 30 min
